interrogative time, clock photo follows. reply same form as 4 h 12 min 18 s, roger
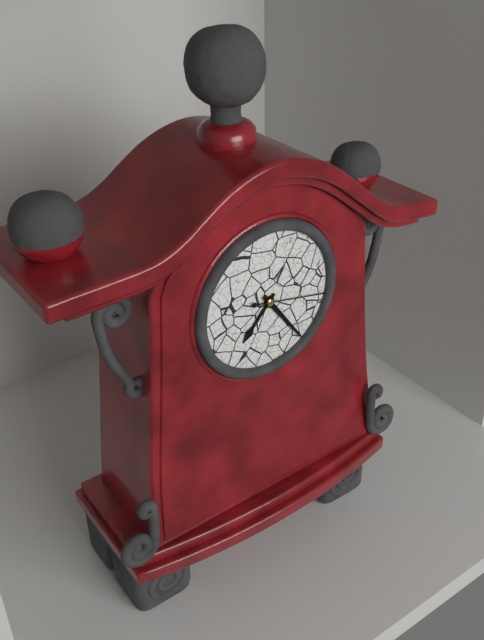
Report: 7 h 24 min 17 s
